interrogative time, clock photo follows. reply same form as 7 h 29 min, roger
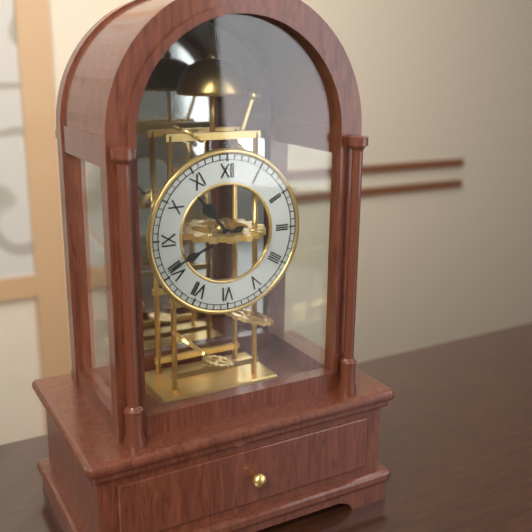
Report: 10 h 41 min
